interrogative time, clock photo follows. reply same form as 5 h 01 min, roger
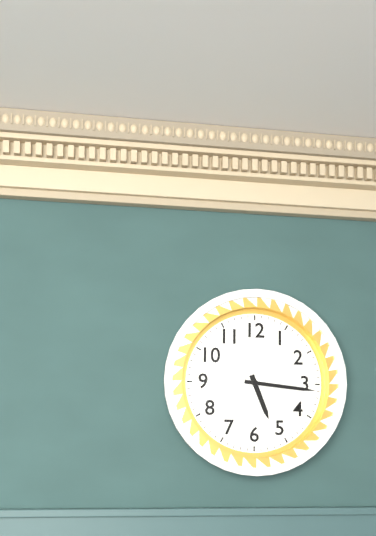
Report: 5 h 16 min
